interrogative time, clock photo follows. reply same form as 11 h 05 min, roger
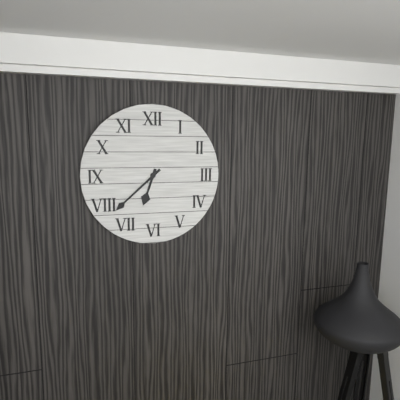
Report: 6 h 38 min
